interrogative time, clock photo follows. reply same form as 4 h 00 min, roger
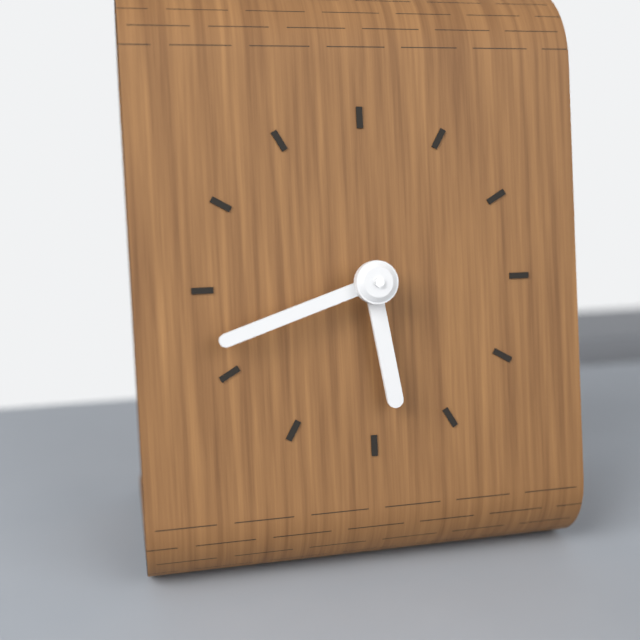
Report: 5 h 42 min
